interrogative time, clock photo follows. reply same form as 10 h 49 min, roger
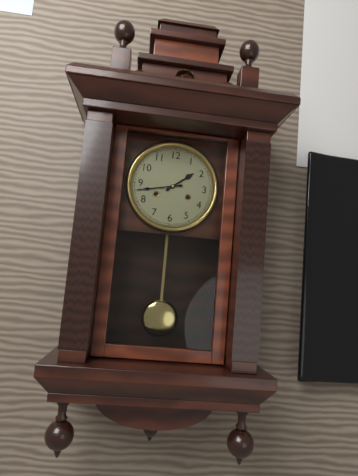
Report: 1 h 43 min
